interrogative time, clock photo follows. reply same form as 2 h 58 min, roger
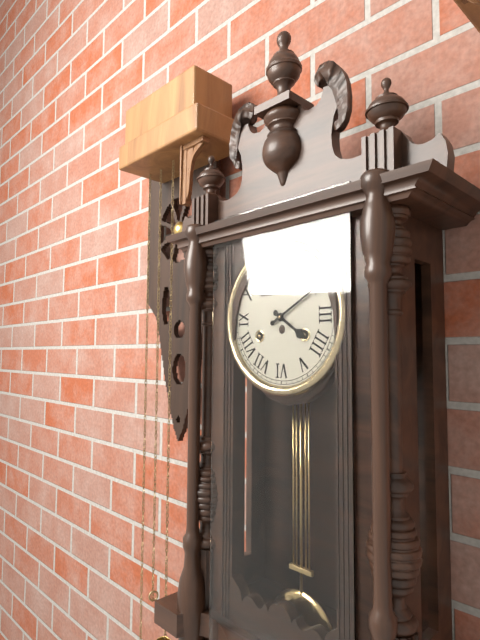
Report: 4 h 10 min
